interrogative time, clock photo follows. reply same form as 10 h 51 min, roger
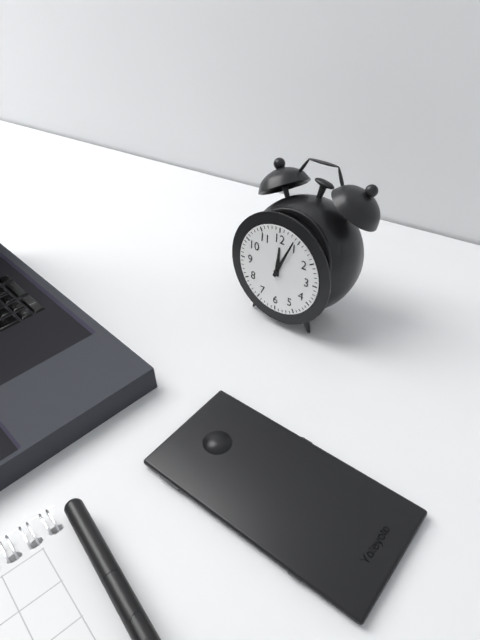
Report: 12 h 04 min
